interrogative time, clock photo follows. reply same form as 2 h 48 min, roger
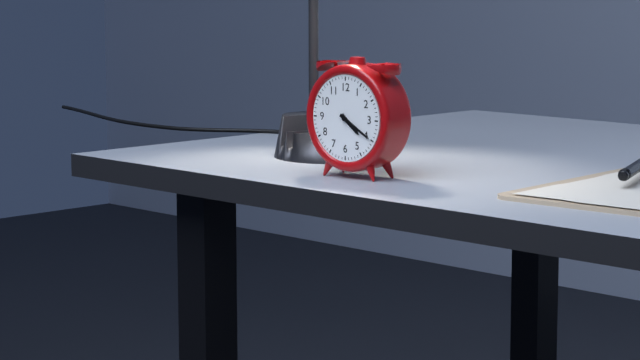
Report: 4 h 20 min
